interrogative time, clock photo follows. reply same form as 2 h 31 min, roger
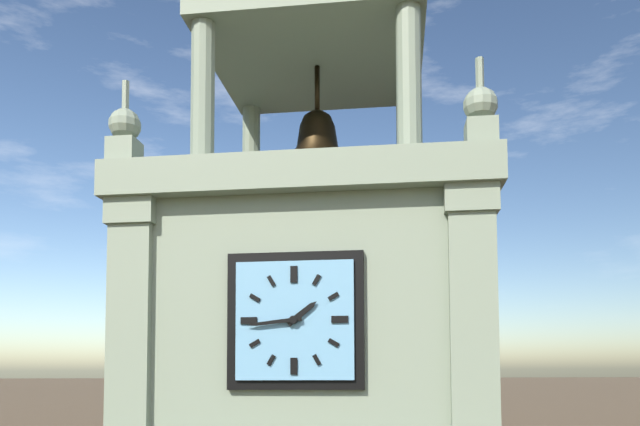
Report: 1 h 44 min
